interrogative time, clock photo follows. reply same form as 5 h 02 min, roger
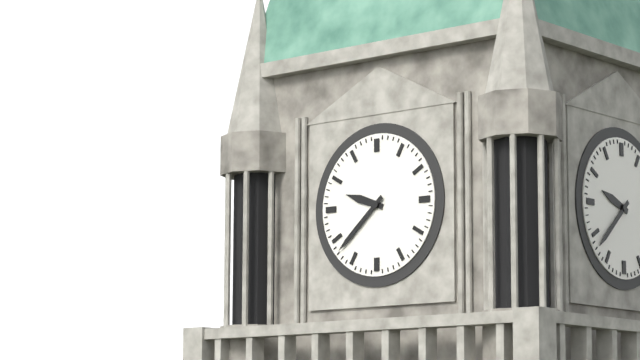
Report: 9 h 38 min
